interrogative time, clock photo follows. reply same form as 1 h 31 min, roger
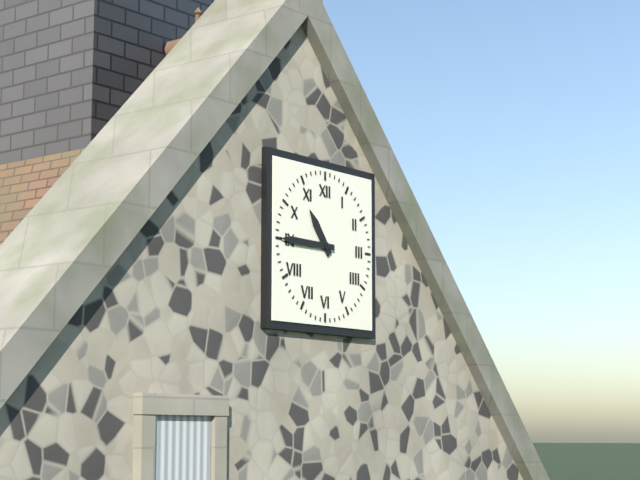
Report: 10 h 45 min
